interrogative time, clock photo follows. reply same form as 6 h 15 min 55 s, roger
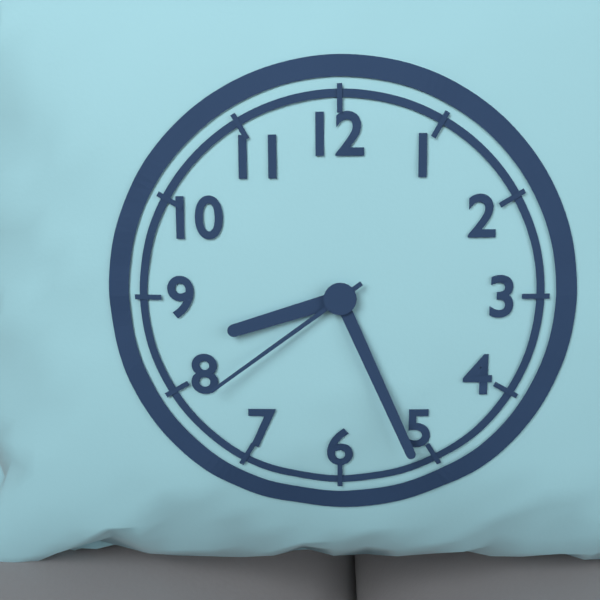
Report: 8 h 26 min 39 s
